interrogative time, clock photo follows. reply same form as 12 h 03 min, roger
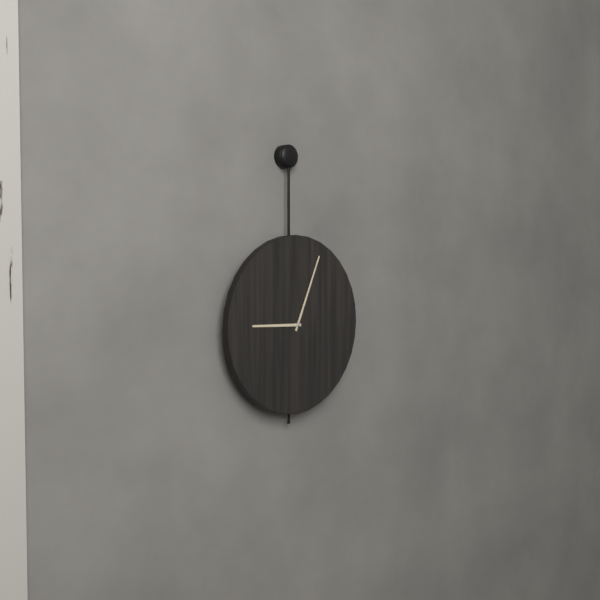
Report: 9 h 04 min
